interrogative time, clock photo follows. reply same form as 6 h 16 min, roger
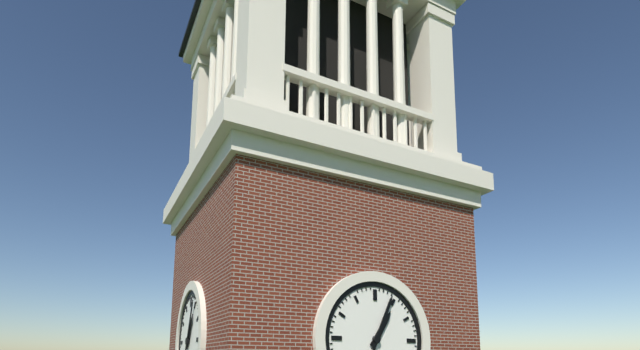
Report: 1 h 04 min
